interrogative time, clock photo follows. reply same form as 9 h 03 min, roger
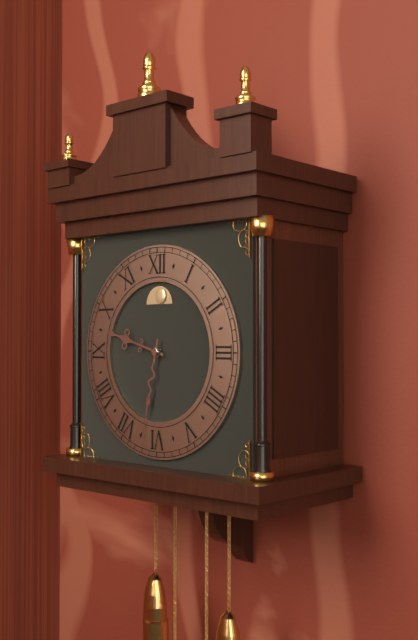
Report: 9 h 32 min
